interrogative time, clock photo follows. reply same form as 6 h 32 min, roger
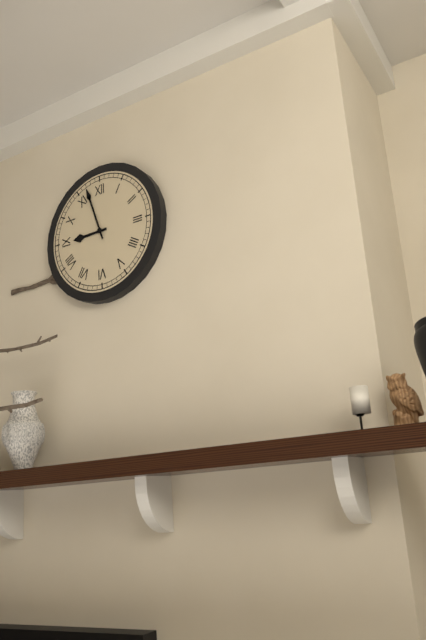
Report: 8 h 57 min
